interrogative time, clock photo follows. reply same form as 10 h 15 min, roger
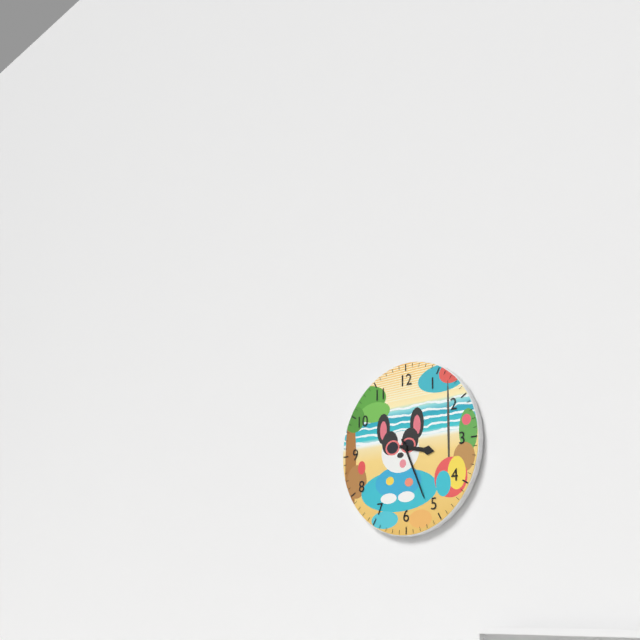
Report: 3 h 26 min
